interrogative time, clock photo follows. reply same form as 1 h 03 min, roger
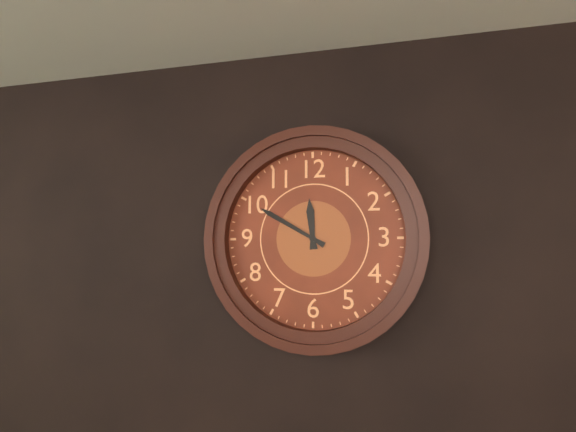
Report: 11 h 50 min
